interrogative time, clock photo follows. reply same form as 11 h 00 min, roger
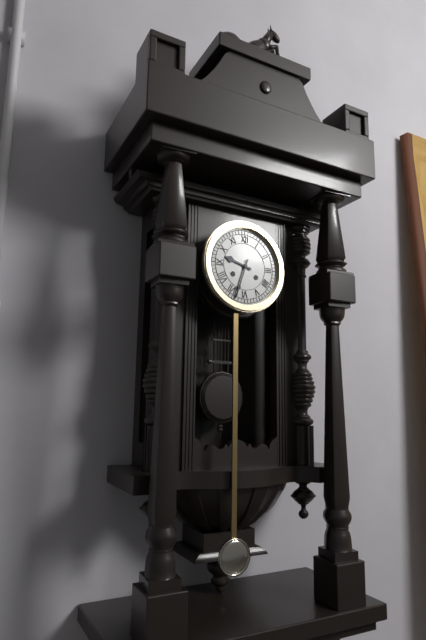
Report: 9 h 33 min
